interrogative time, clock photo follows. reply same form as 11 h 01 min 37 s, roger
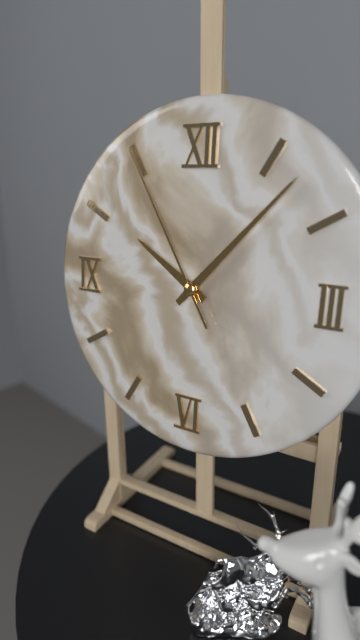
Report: 10 h 07 min 55 s
